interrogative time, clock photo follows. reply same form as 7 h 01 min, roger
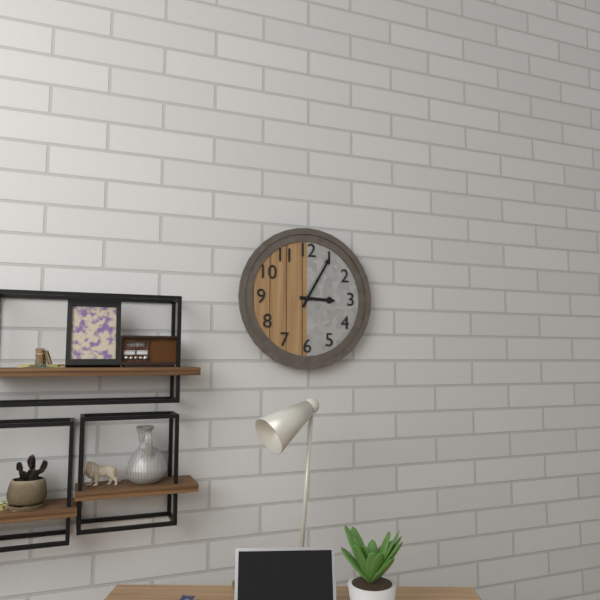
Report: 3 h 05 min
